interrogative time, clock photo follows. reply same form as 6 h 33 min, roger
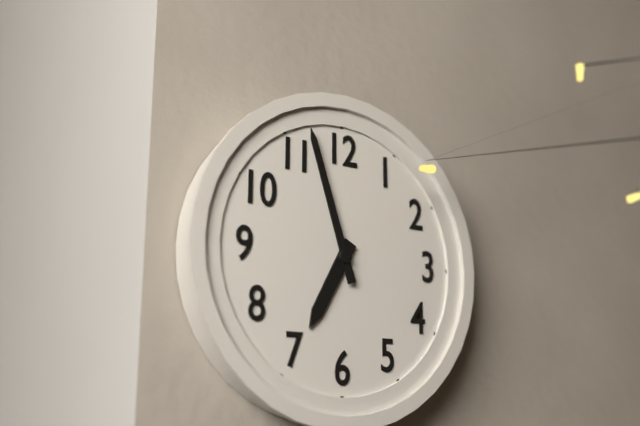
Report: 6 h 57 min
